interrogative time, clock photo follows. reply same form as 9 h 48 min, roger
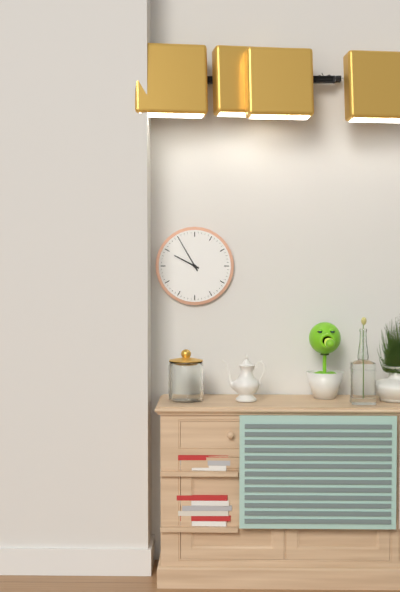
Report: 9 h 55 min
